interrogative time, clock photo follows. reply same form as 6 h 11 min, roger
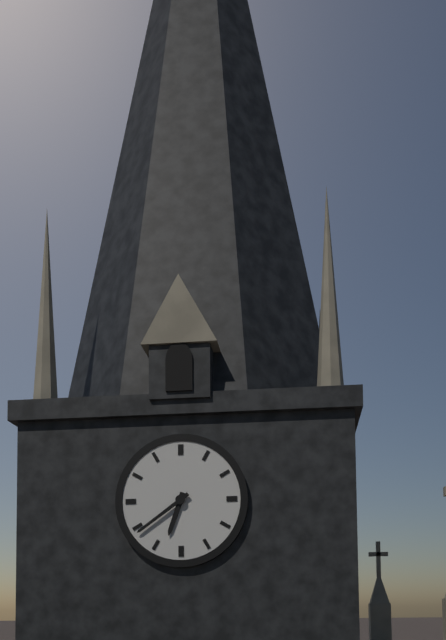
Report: 6 h 39 min
